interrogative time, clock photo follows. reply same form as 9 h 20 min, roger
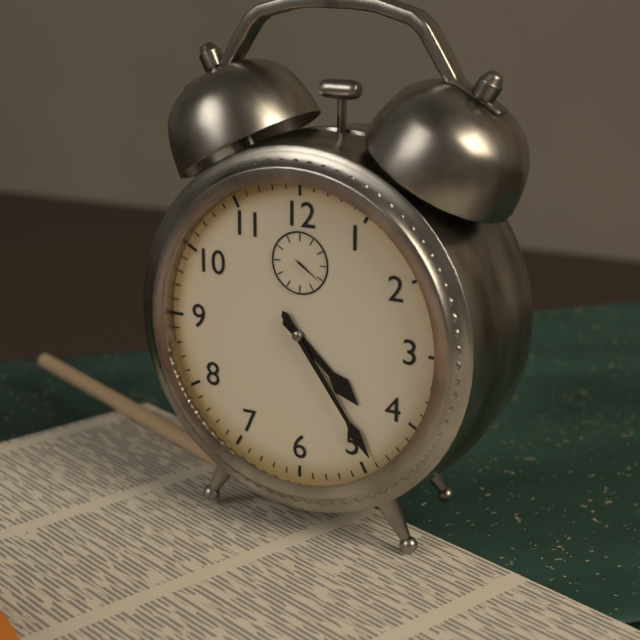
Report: 4 h 24 min
